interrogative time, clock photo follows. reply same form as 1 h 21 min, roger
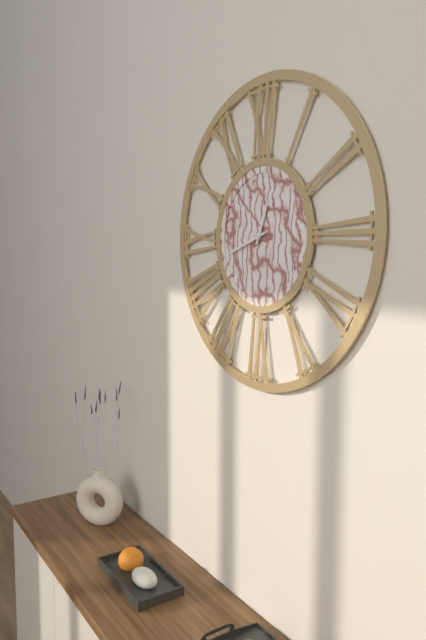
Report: 12 h 42 min
